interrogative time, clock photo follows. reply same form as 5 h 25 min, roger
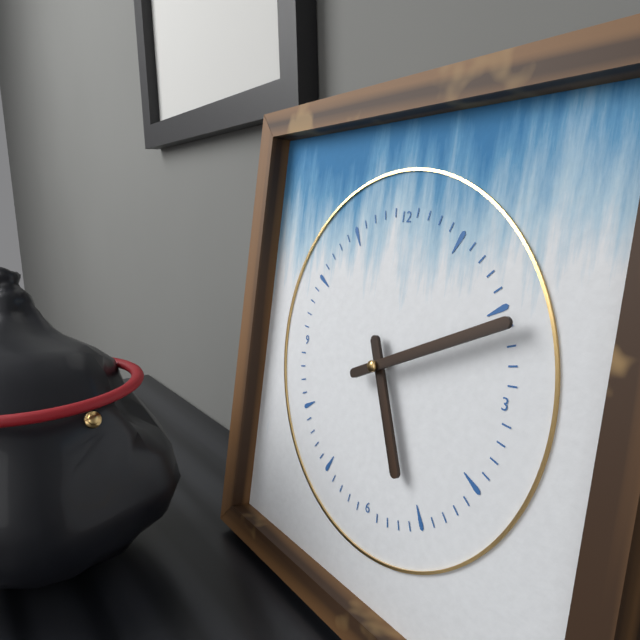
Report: 5 h 11 min
